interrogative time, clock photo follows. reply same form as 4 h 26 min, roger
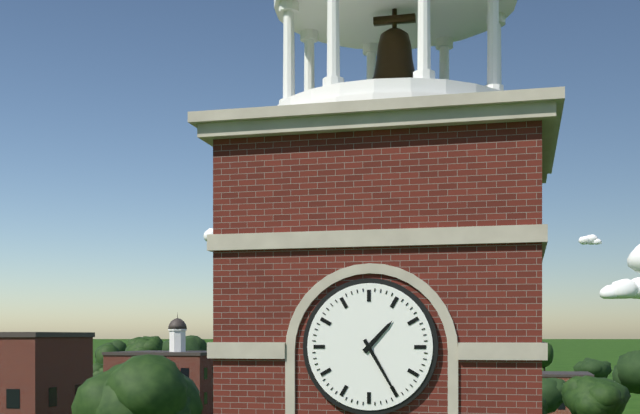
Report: 1 h 25 min
